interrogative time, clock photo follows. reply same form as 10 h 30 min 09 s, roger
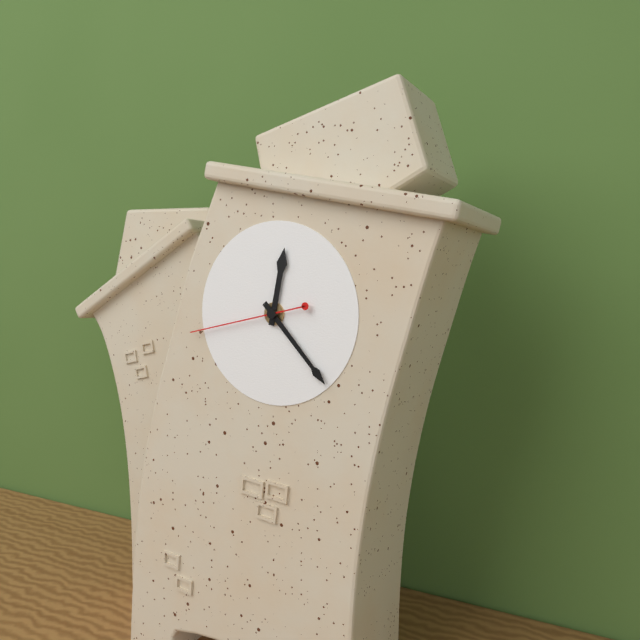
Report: 12 h 23 min 43 s
